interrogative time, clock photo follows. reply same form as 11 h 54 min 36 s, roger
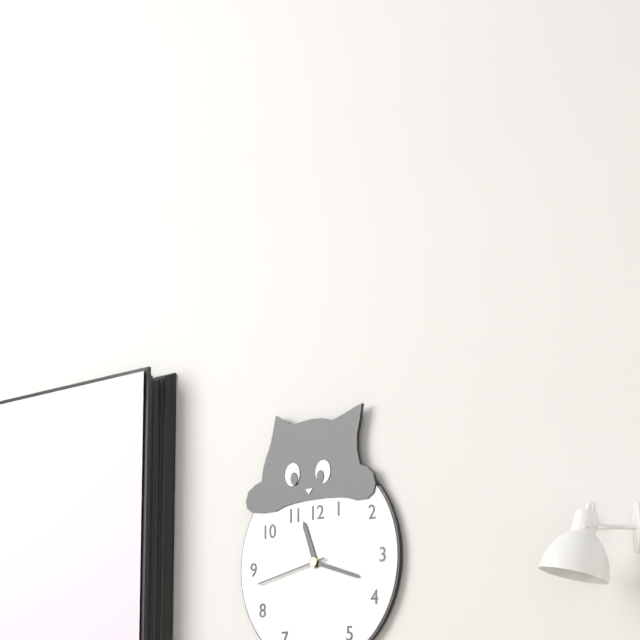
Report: 11 h 18 min 43 s
